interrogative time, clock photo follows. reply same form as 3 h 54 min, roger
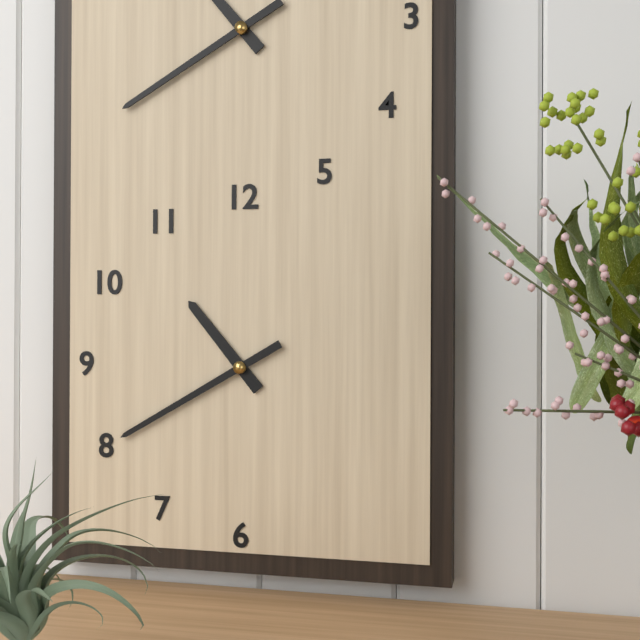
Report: 10 h 40 min
